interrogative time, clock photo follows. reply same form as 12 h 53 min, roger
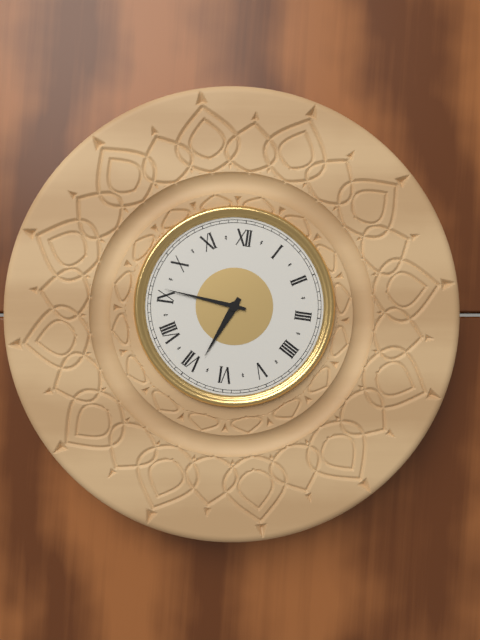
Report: 6 h 46 min
